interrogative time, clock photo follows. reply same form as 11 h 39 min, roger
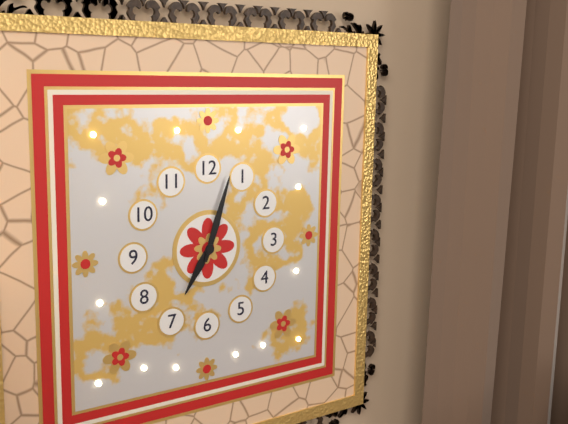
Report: 7 h 03 min
